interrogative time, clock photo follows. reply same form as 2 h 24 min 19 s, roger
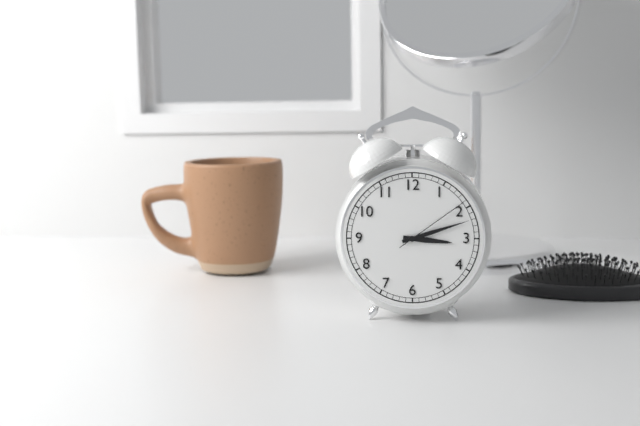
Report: 3 h 12 min 09 s
